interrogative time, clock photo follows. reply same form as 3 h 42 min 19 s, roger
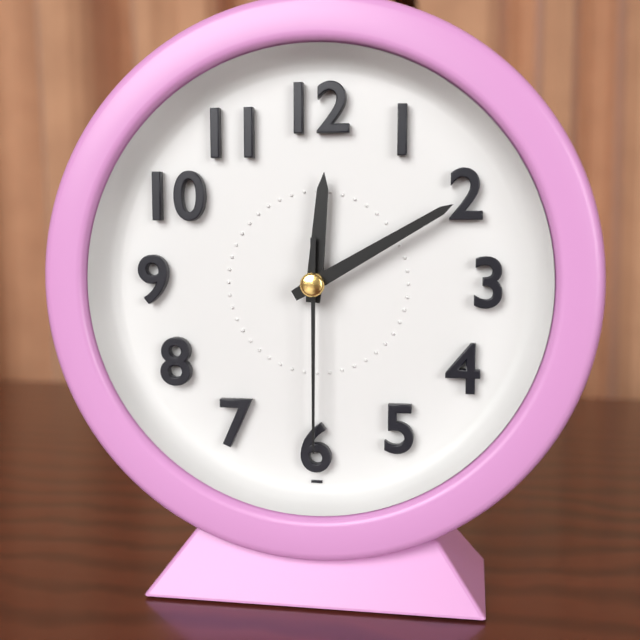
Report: 12 h 10 min 30 s
